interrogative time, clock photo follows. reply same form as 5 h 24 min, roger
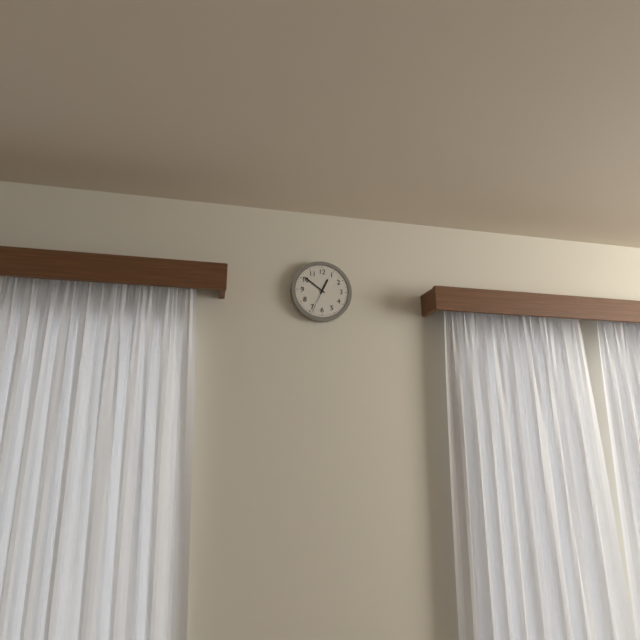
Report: 12 h 51 min
